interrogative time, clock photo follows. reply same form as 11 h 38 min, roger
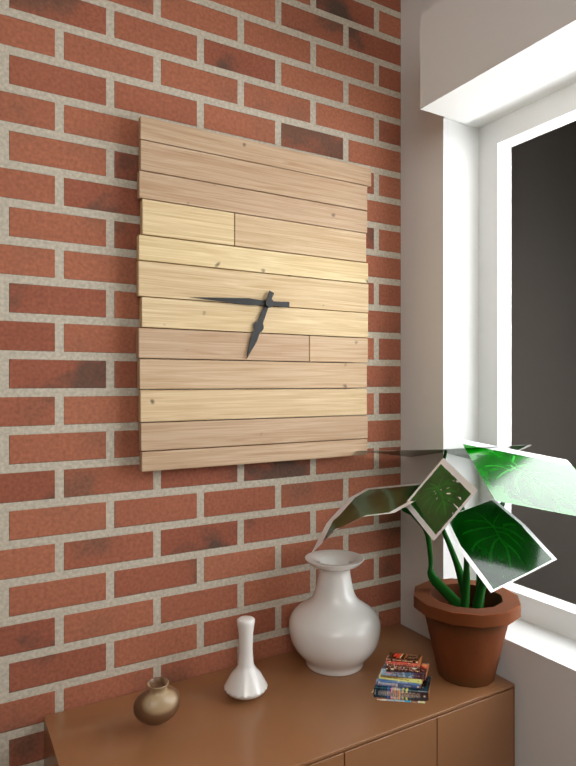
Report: 6 h 45 min
